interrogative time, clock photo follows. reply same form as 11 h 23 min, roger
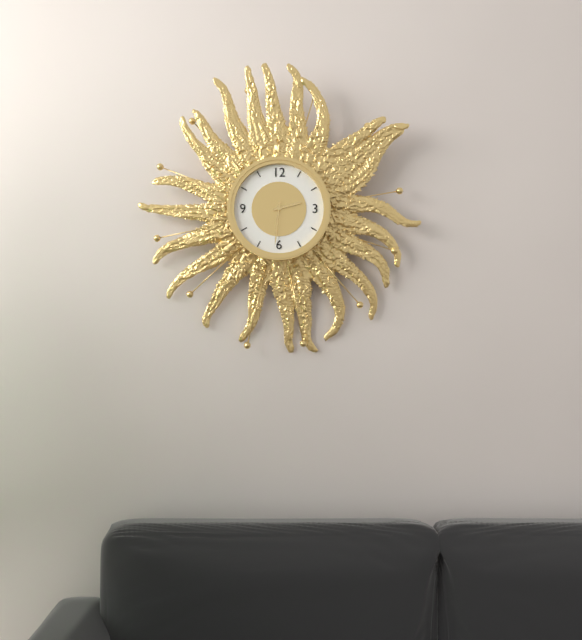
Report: 2 h 31 min
